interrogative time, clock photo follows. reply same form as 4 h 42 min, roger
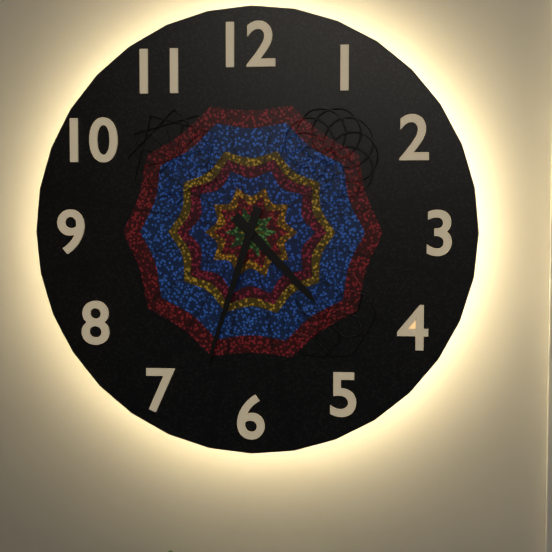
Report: 4 h 33 min
